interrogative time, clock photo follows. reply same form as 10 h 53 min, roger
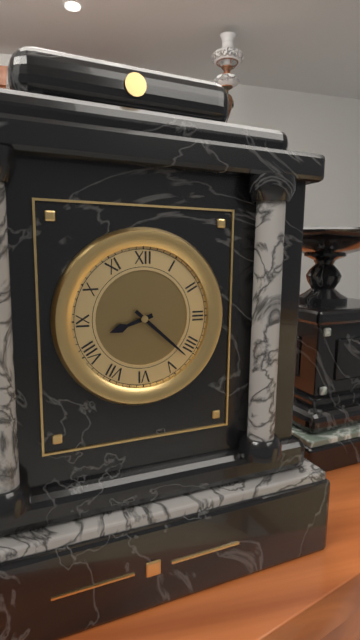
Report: 8 h 22 min
